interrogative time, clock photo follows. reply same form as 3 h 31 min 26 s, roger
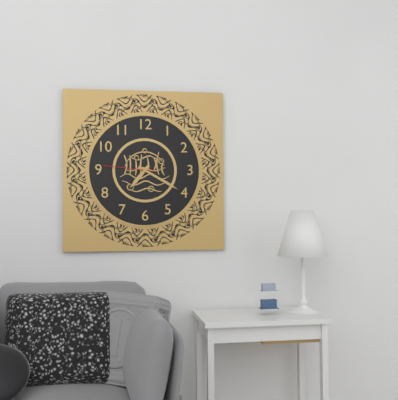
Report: 7 h 20 min 46 s
